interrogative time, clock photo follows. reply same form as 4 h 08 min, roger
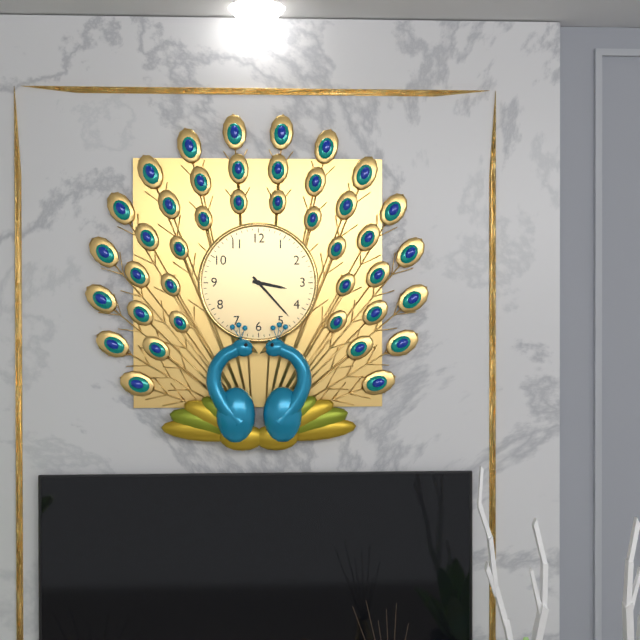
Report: 3 h 23 min
